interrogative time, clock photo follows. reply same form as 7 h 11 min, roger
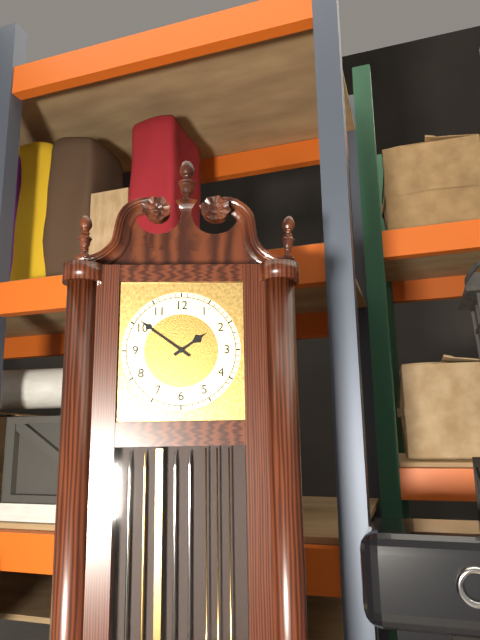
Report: 1 h 51 min
